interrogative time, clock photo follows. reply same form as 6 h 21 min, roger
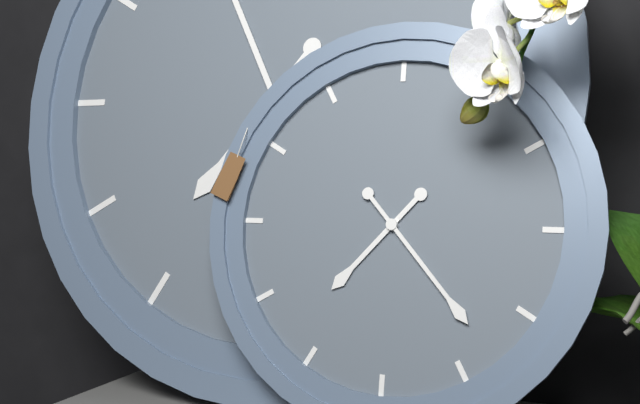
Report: 7 h 23 min
